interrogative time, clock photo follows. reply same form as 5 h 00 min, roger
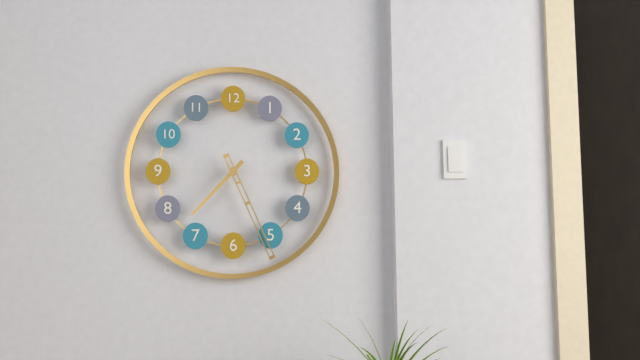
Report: 7 h 26 min
